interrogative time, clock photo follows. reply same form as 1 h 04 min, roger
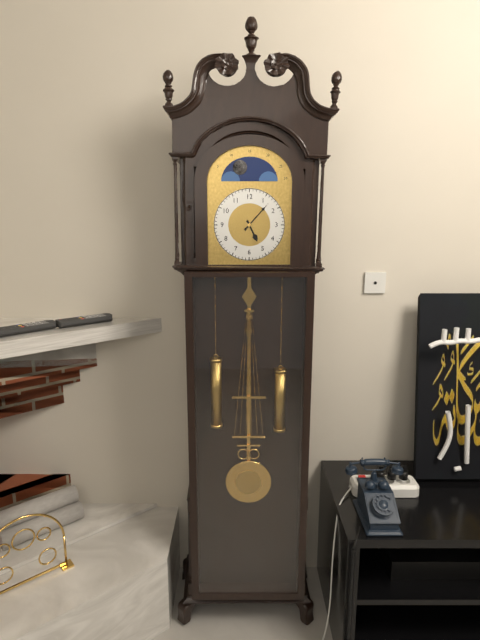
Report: 5 h 07 min
